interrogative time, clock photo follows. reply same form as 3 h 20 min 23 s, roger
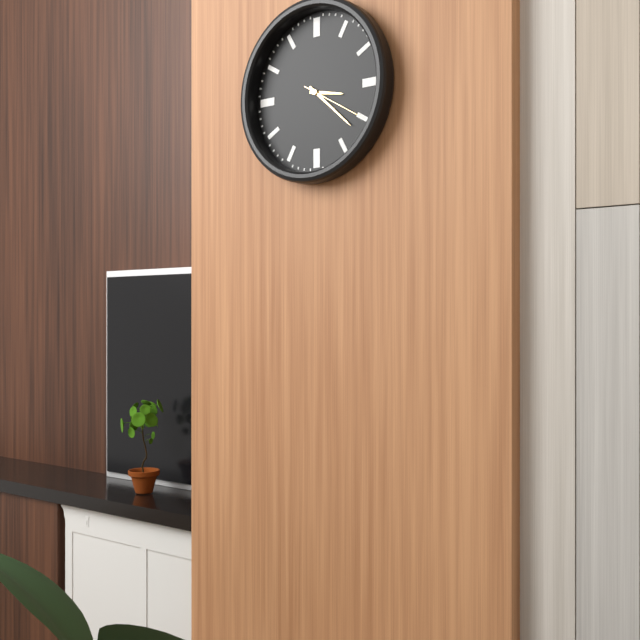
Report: 3 h 22 min 20 s
